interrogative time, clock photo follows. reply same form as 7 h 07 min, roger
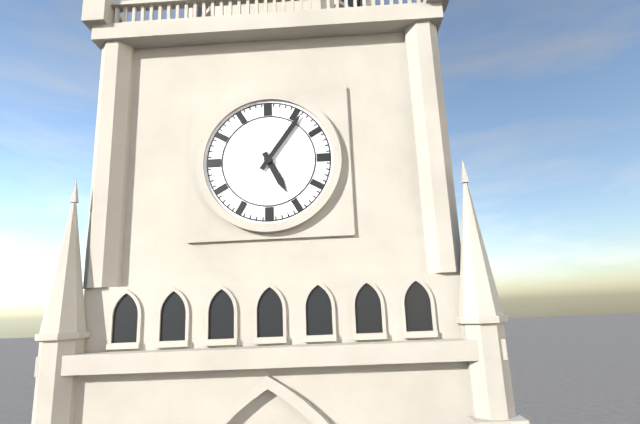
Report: 5 h 06 min
